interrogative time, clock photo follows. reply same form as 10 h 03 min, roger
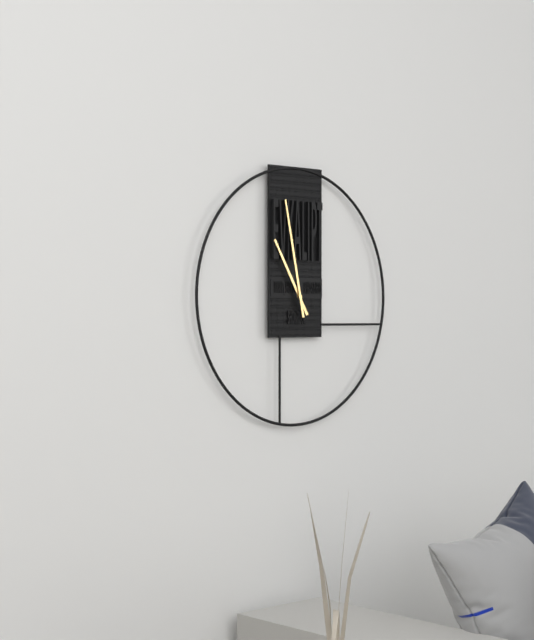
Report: 10 h 58 min
